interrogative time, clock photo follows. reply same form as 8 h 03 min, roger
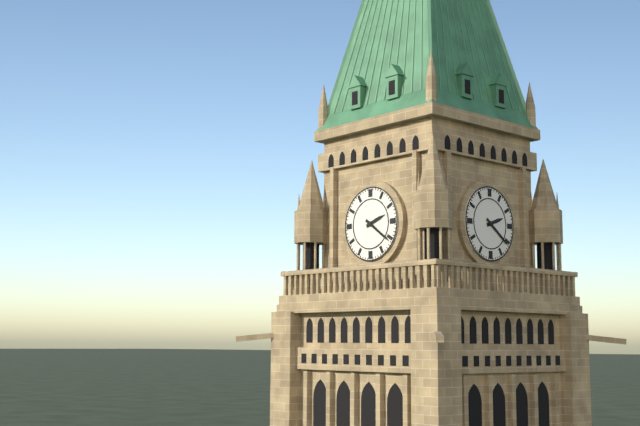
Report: 2 h 21 min
